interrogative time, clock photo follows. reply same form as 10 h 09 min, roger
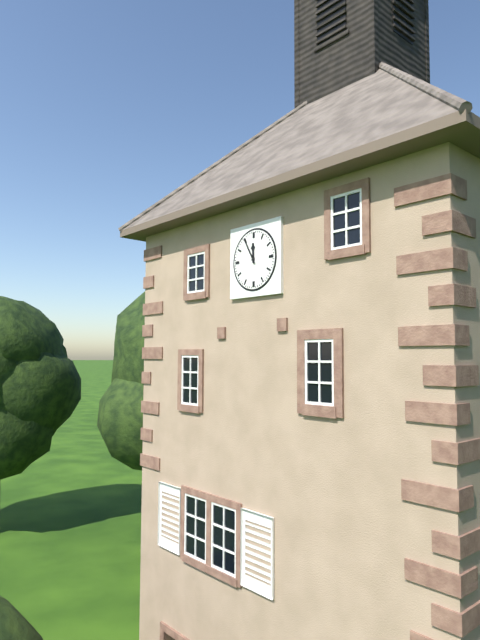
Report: 11 h 55 min
